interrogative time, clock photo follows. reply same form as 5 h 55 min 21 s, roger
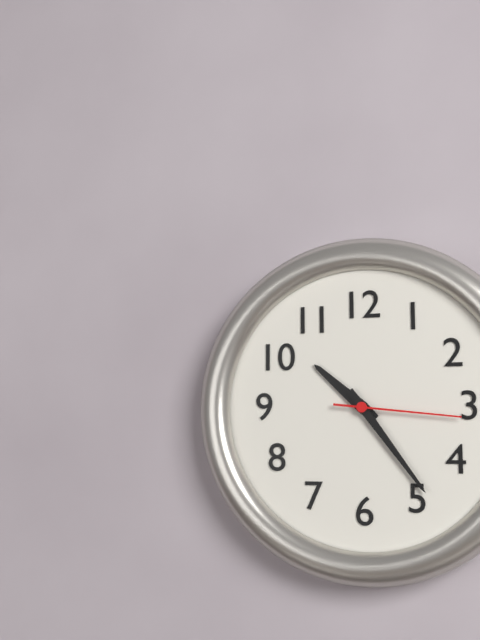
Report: 10 h 24 min 16 s
